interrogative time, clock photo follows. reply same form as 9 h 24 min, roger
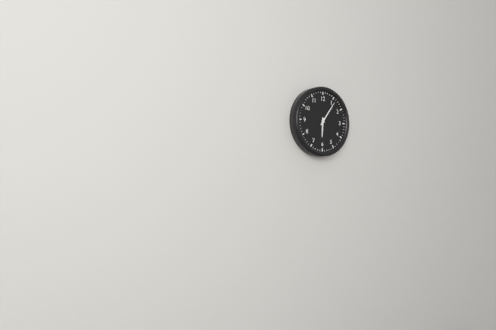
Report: 6 h 06 min
